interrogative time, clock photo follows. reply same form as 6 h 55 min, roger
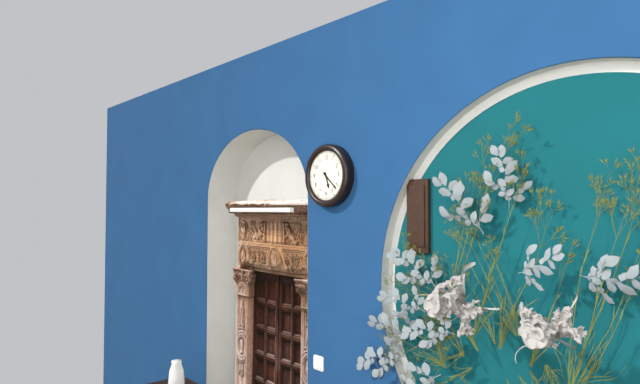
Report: 5 h 22 min
